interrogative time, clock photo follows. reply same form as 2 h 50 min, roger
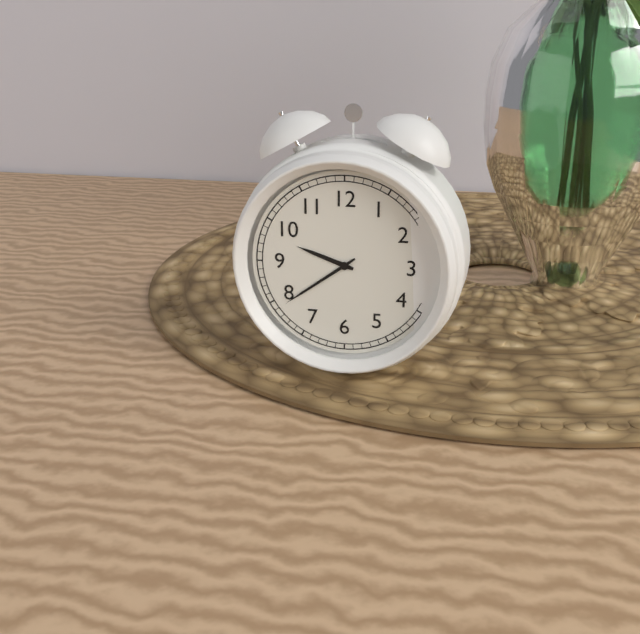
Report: 9 h 39 min
